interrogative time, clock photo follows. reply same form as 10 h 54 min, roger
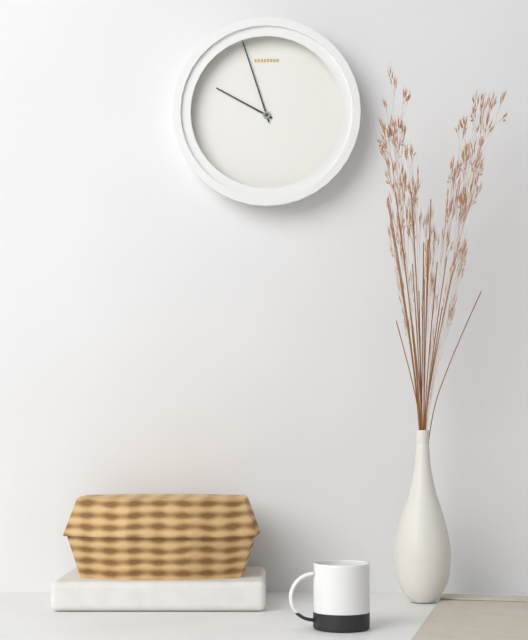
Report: 9 h 57 min
